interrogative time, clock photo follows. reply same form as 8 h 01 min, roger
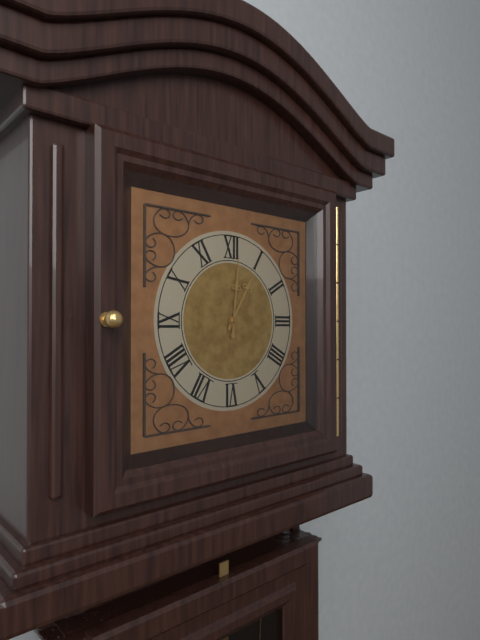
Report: 1 h 01 min
